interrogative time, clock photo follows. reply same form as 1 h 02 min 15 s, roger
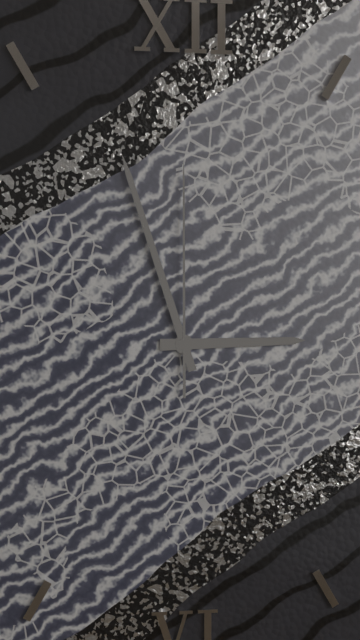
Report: 2 h 57 min 00 s
